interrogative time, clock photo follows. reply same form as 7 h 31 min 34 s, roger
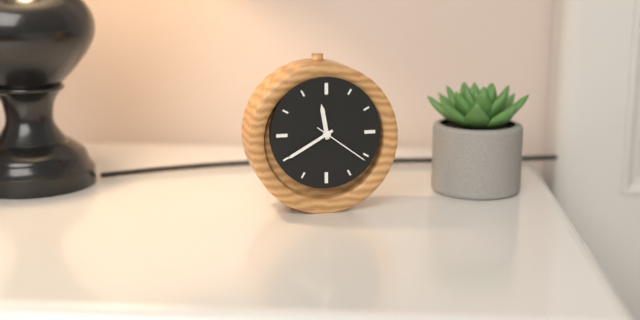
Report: 11 h 40 min 21 s
